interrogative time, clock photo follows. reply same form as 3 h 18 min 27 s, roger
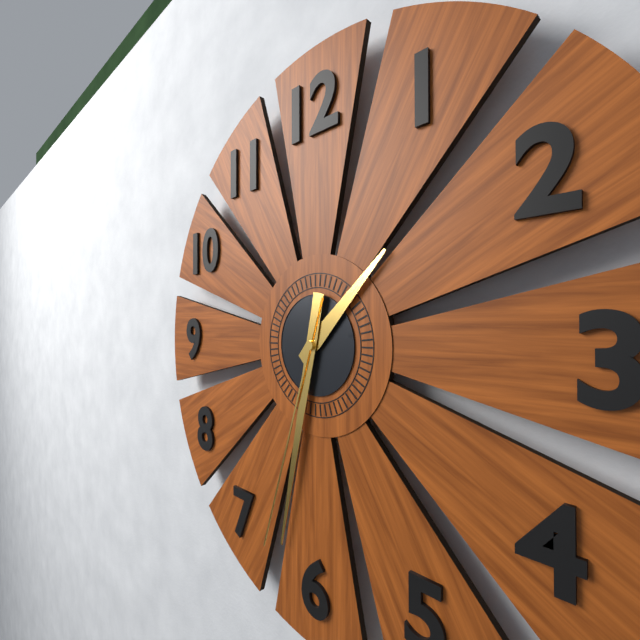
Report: 1 h 32 min 33 s
